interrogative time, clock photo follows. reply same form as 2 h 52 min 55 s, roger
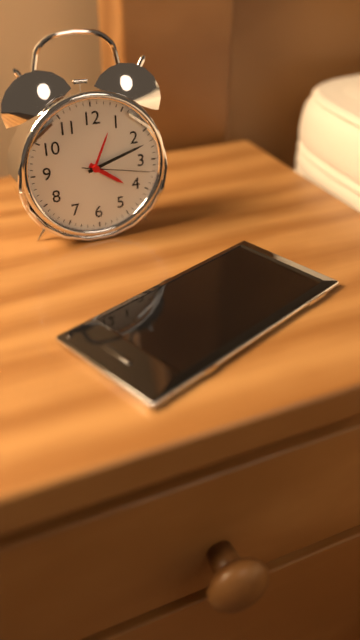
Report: 4 h 12 min 17 s
